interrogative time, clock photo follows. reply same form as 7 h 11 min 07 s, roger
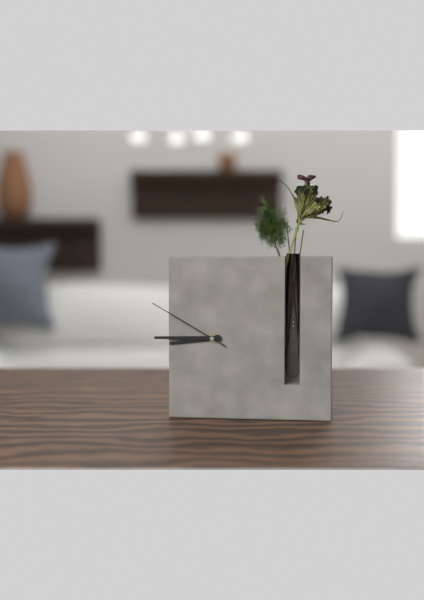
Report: 8 h 45 min 50 s
